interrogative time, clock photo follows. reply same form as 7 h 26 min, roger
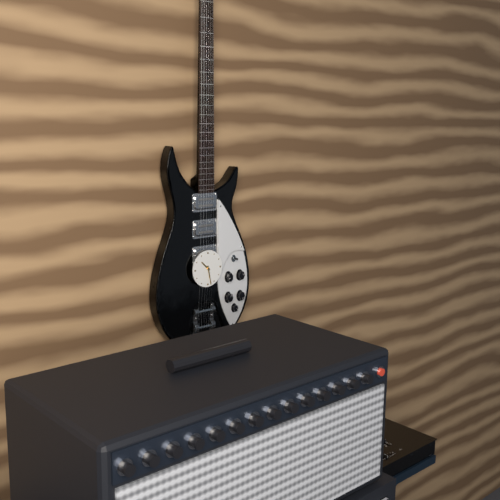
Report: 10 h 28 min
